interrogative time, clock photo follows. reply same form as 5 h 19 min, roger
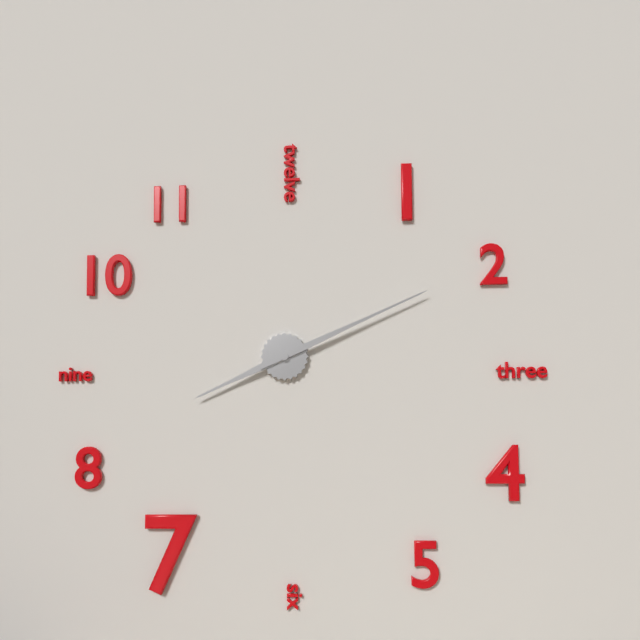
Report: 8 h 11 min
